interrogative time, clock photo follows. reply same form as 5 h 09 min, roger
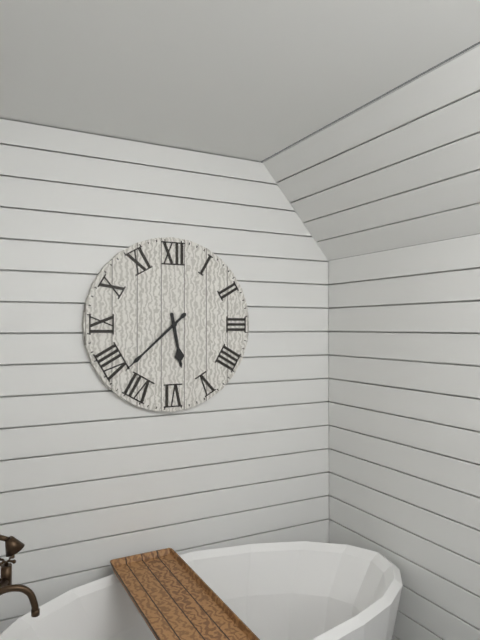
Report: 5 h 38 min
